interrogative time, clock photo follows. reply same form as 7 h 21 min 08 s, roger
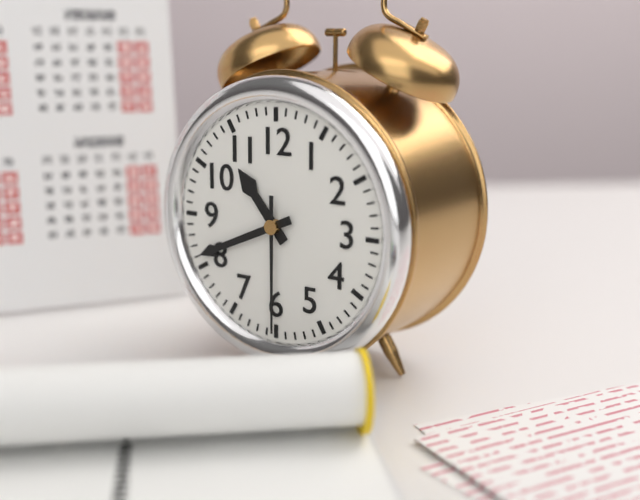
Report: 10 h 41 min 30 s
